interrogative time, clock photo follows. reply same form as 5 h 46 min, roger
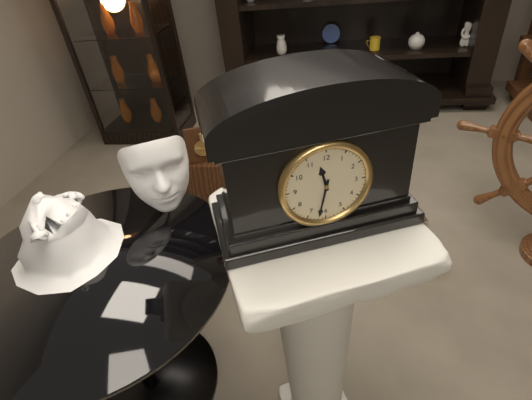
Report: 11 h 32 min
